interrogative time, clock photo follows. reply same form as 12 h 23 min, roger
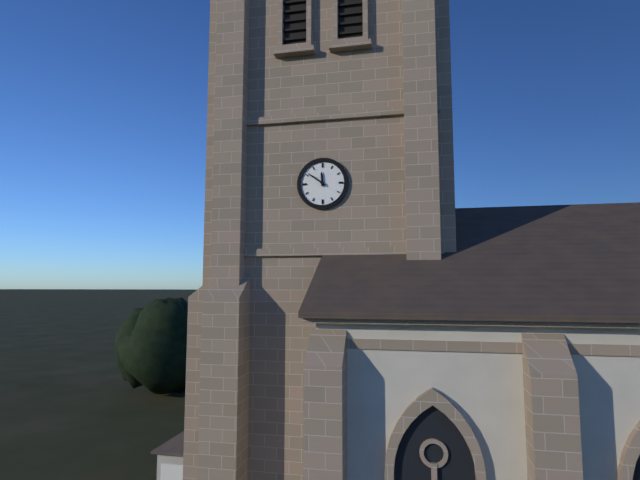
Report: 11 h 51 min
